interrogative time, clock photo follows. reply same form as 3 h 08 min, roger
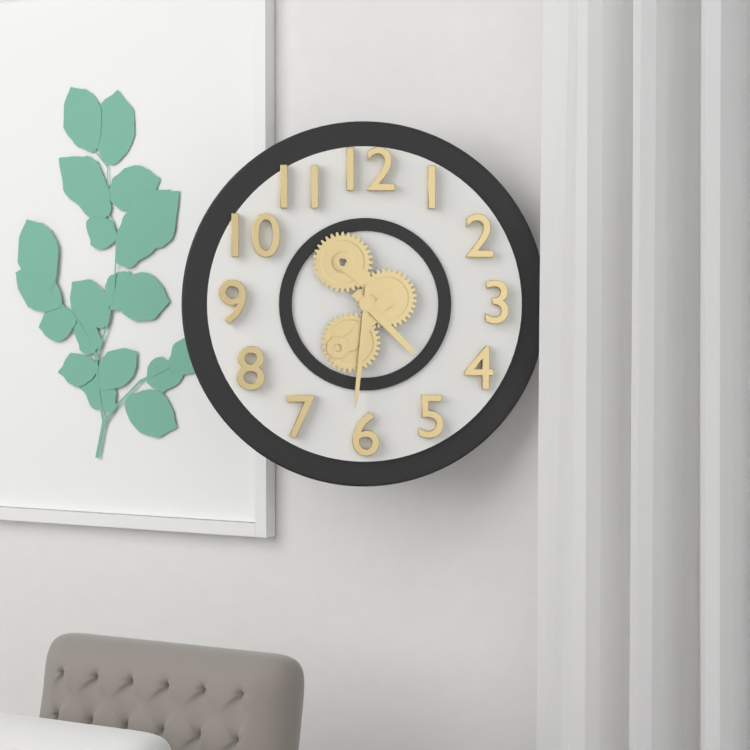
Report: 4 h 31 min
